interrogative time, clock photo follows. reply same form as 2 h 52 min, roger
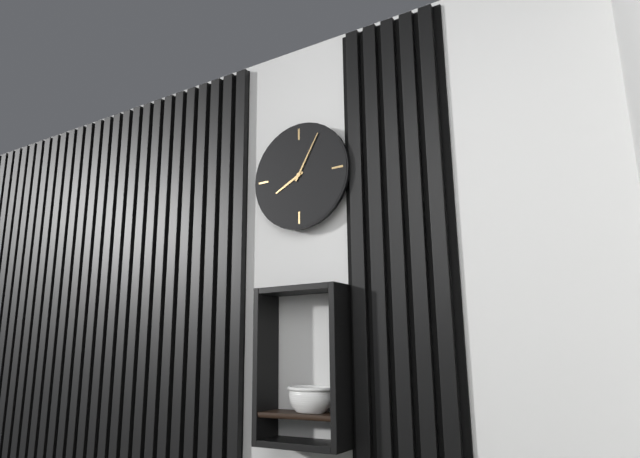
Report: 8 h 05 min
